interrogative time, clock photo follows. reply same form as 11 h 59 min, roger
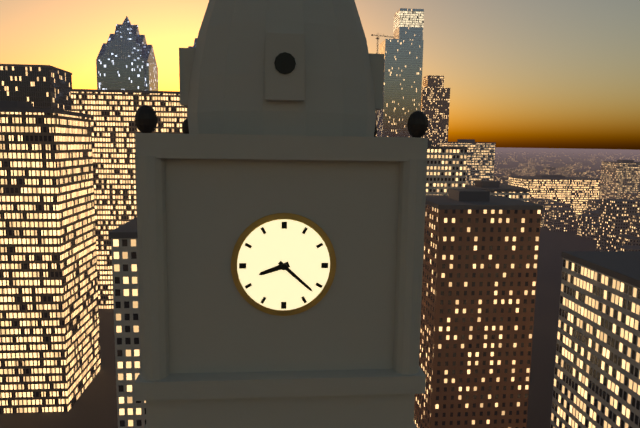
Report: 8 h 22 min
